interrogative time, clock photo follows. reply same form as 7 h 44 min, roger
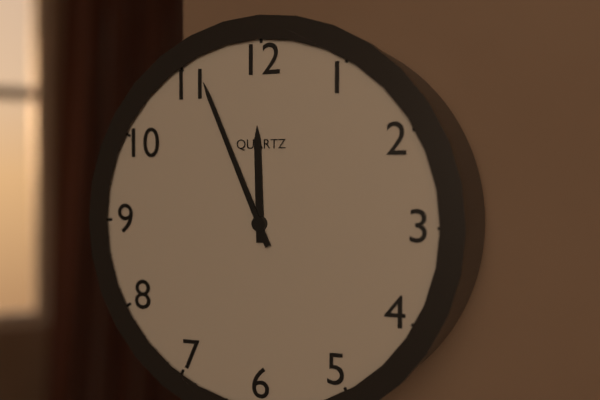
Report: 11 h 56 min
